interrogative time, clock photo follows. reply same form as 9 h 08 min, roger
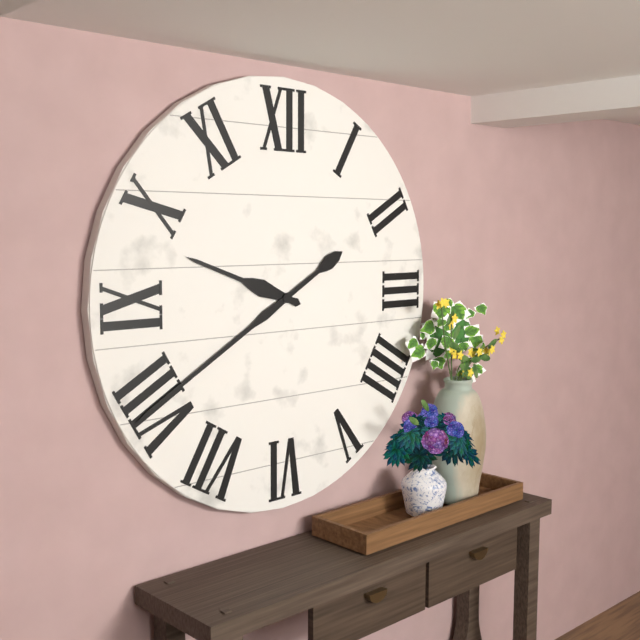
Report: 9 h 40 min
